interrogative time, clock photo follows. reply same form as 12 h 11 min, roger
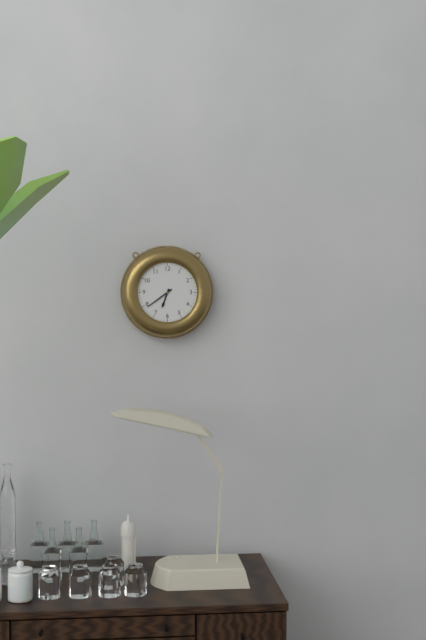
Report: 6 h 39 min
